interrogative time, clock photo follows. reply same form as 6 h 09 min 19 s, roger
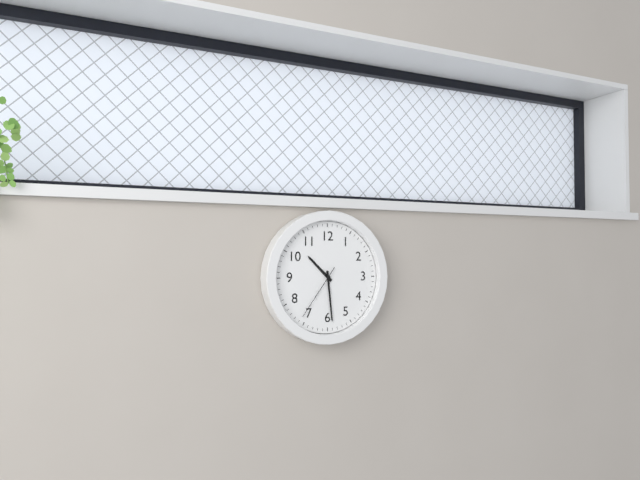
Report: 10 h 29 min 36 s
